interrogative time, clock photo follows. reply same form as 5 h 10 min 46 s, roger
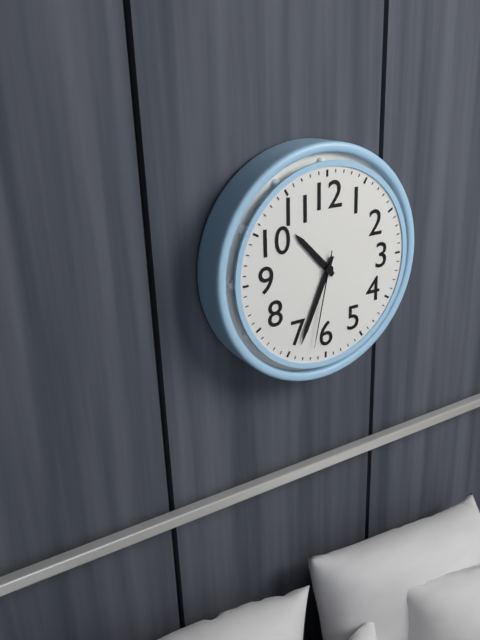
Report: 10 h 34 min 32 s
